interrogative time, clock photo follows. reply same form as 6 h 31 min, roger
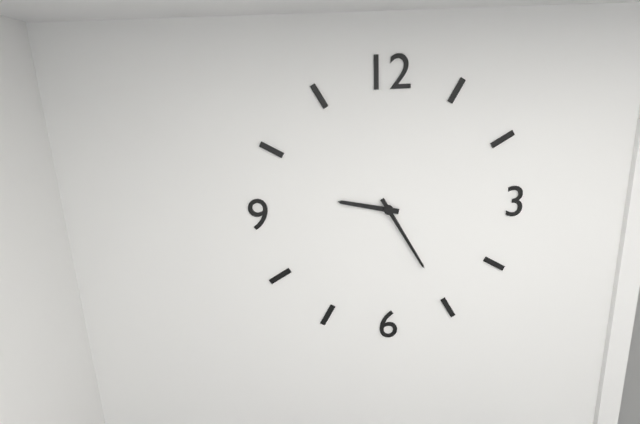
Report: 9 h 25 min
